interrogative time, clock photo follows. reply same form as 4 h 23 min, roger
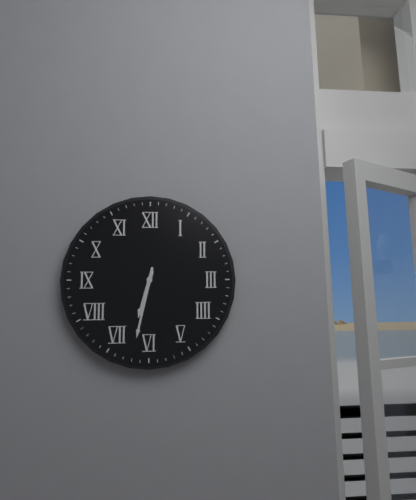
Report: 6 h 32 min
